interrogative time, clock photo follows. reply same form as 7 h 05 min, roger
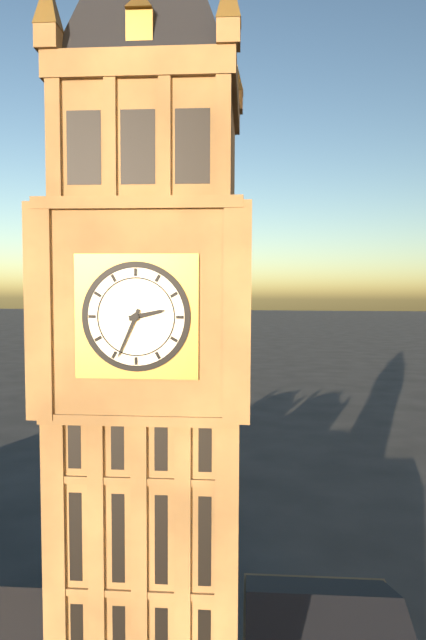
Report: 2 h 34 min
